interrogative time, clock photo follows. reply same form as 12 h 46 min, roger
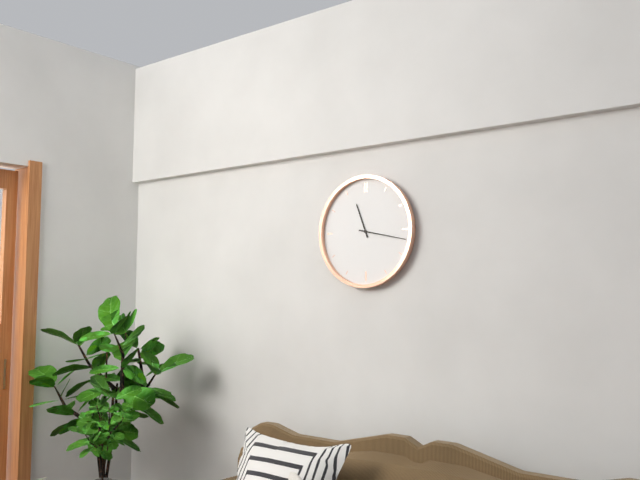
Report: 11 h 17 min
